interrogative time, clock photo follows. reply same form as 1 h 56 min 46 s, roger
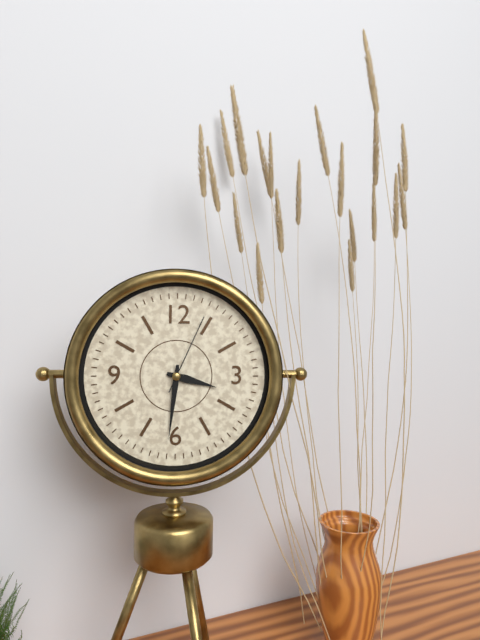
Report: 3 h 31 min 04 s
